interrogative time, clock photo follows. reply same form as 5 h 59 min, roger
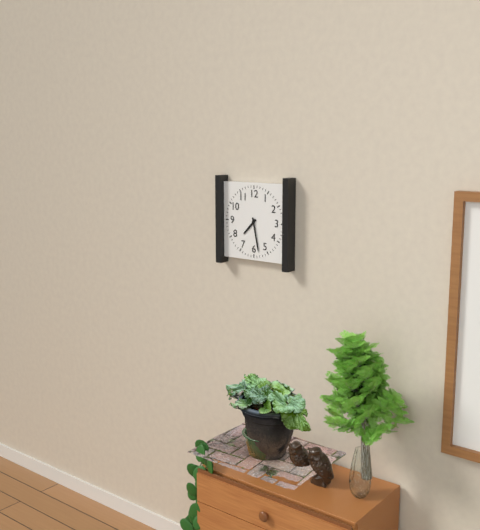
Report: 7 h 28 min
